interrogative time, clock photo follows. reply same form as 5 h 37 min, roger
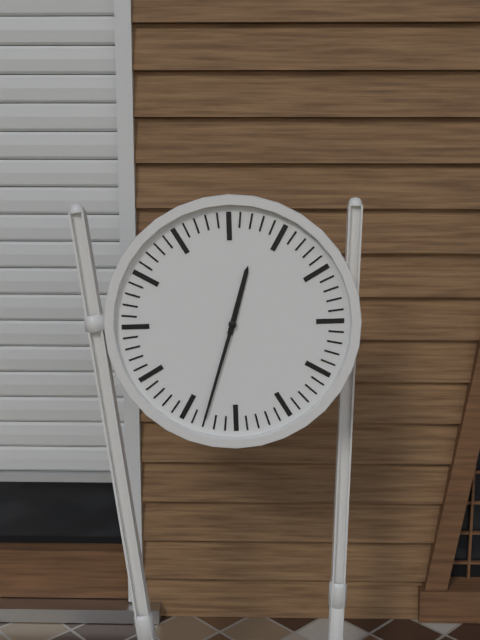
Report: 12 h 33 min
